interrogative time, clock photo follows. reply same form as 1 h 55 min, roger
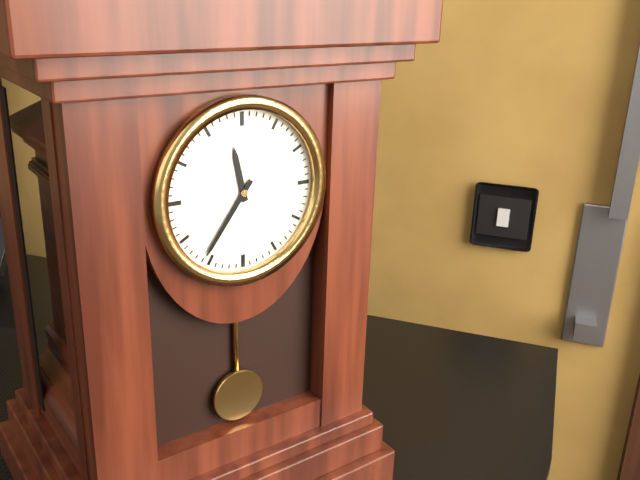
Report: 11 h 36 min
